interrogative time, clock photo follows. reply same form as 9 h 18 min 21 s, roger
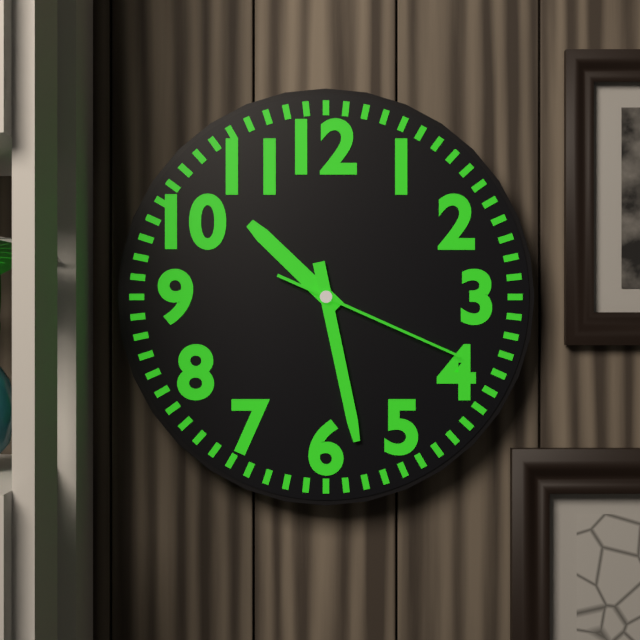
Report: 10 h 28 min 19 s
